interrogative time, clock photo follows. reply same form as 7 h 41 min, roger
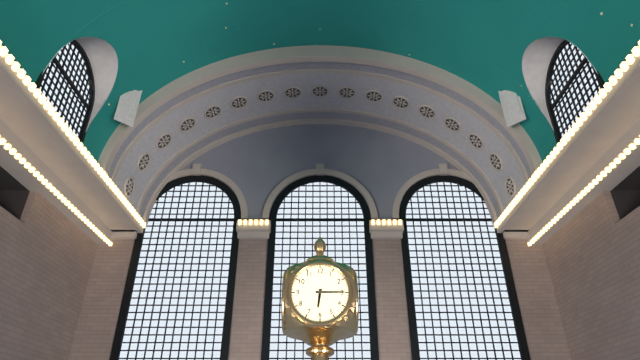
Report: 6 h 15 min
